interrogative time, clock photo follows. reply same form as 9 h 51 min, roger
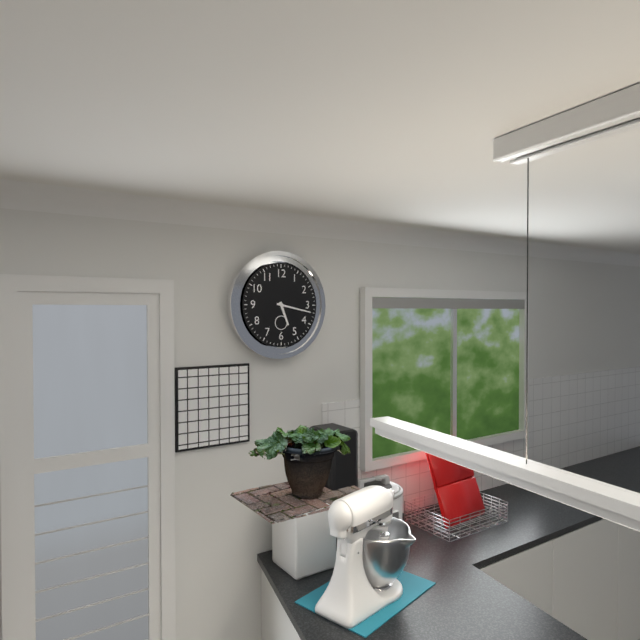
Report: 5 h 17 min
